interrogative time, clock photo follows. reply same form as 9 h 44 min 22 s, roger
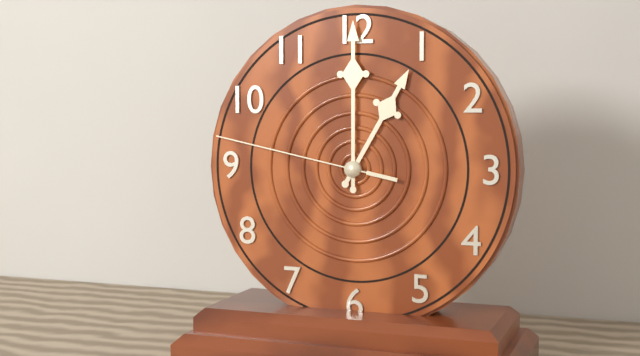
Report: 1 h 00 min 47 s
